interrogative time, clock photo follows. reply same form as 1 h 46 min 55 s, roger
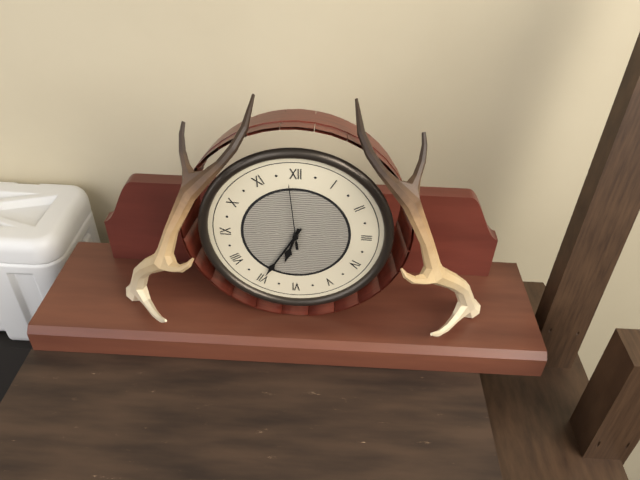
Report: 6 h 35 min 59 s
